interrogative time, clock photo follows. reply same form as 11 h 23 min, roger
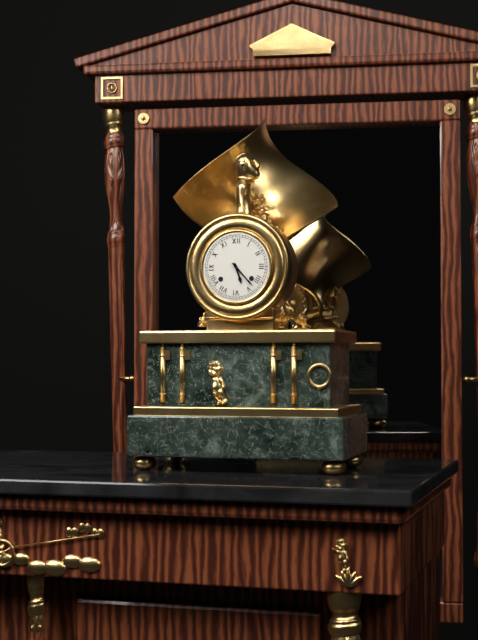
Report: 5 h 23 min
